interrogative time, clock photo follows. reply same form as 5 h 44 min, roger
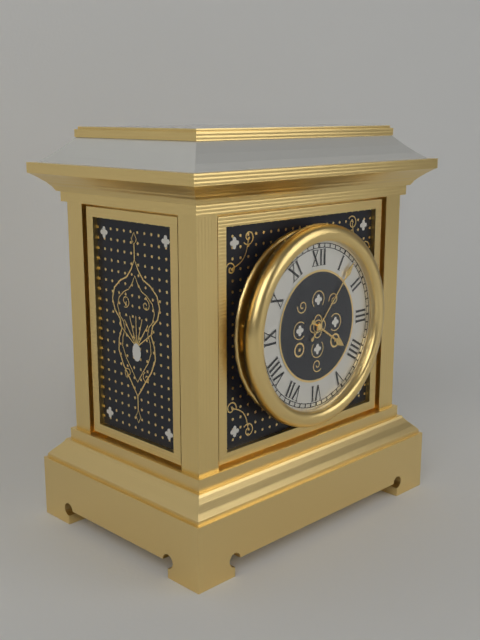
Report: 4 h 07 min
